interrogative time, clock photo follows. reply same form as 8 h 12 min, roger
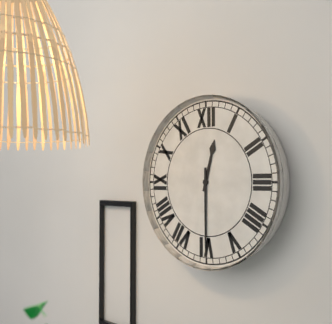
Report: 12 h 30 min
